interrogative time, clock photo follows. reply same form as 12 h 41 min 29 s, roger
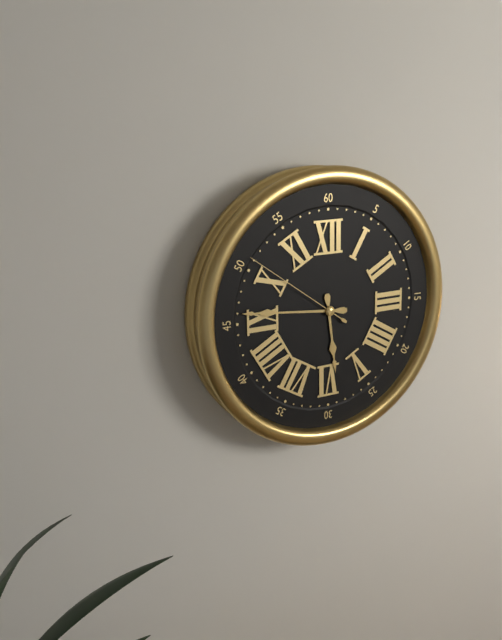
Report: 5 h 46 min 51 s
